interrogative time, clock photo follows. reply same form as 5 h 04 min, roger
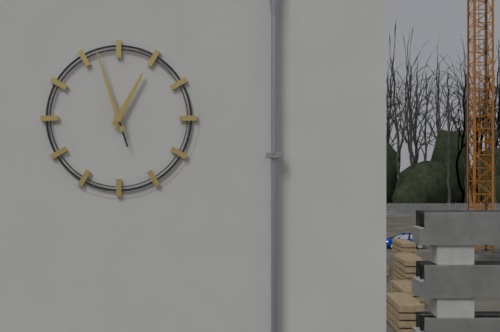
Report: 12 h 57 min
